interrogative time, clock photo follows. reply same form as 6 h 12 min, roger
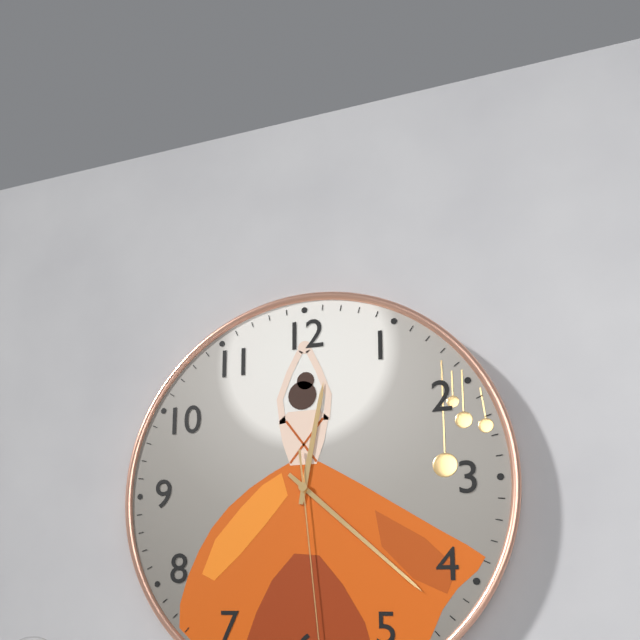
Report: 12 h 22 min
